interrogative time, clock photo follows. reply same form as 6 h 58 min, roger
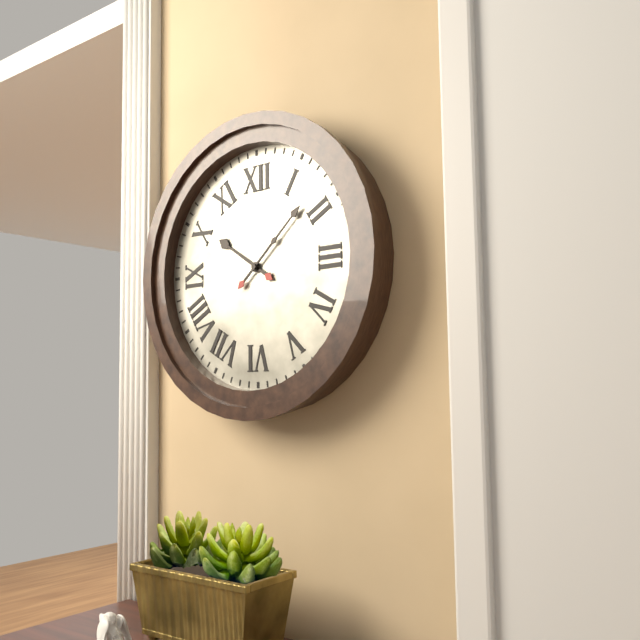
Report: 10 h 08 min
